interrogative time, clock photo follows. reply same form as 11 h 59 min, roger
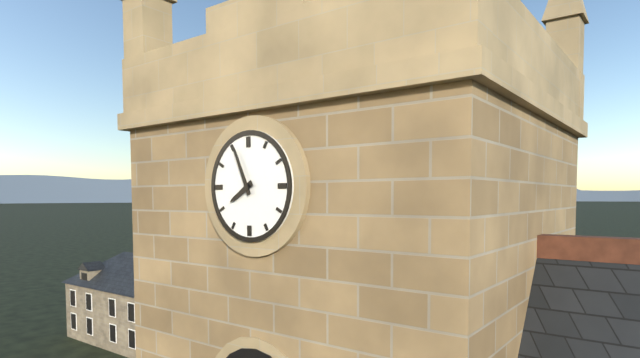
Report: 7 h 56 min
